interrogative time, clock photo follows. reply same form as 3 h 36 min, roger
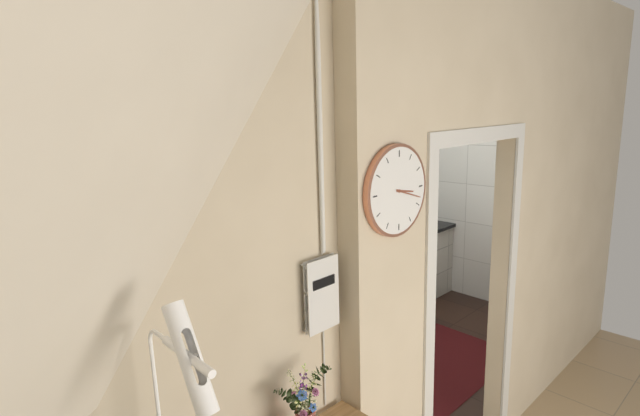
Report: 3 h 18 min
